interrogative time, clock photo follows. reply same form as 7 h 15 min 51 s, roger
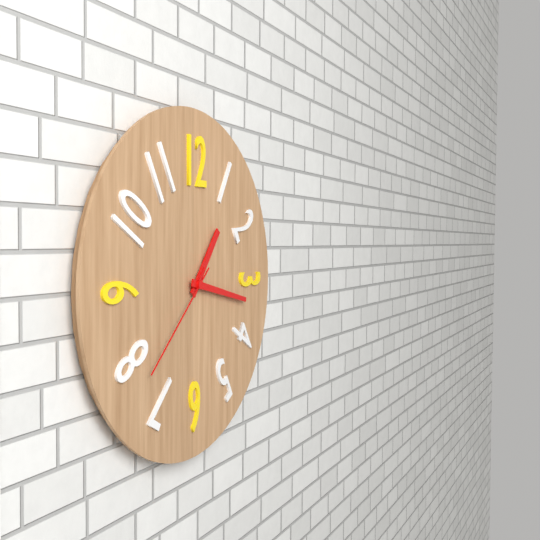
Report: 1 h 17 min 38 s
